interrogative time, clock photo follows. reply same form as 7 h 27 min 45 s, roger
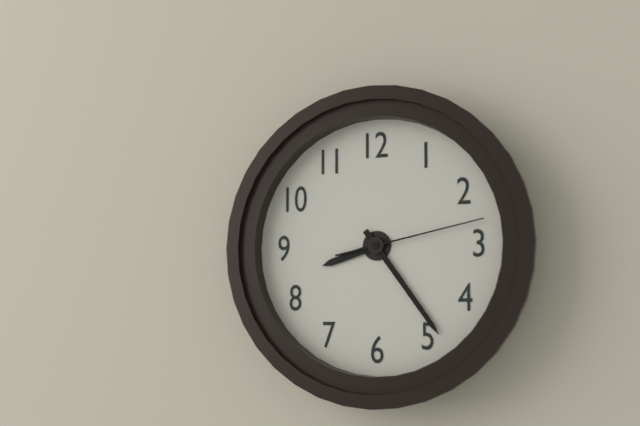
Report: 8 h 24 min 13 s
